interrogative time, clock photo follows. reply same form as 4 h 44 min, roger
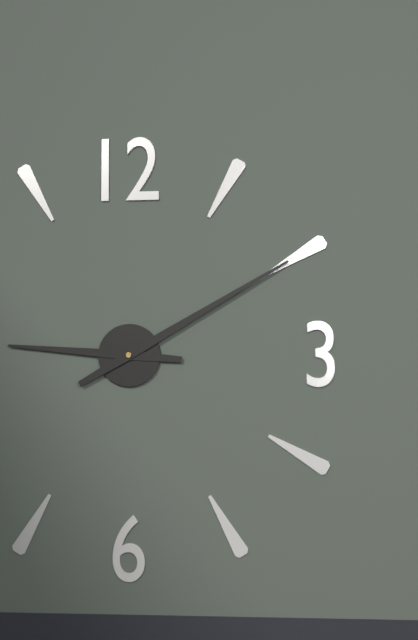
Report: 9 h 10 min
